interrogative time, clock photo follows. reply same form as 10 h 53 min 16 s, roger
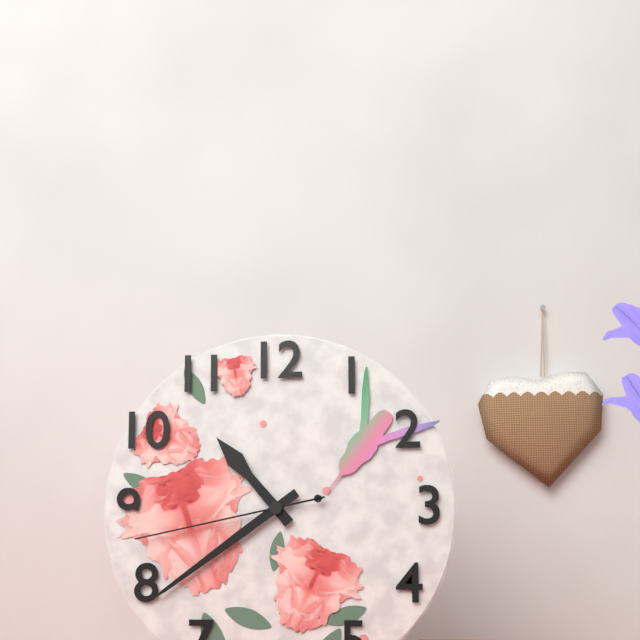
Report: 10 h 39 min 43 s
